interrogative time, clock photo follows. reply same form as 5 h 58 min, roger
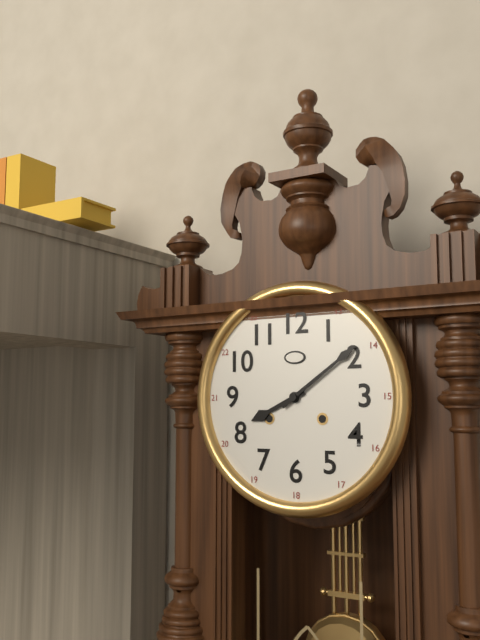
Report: 8 h 09 min
